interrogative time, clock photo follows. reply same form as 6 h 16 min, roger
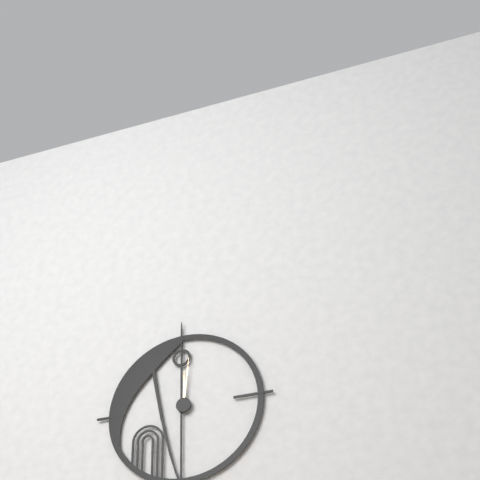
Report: 12 h 01 min
